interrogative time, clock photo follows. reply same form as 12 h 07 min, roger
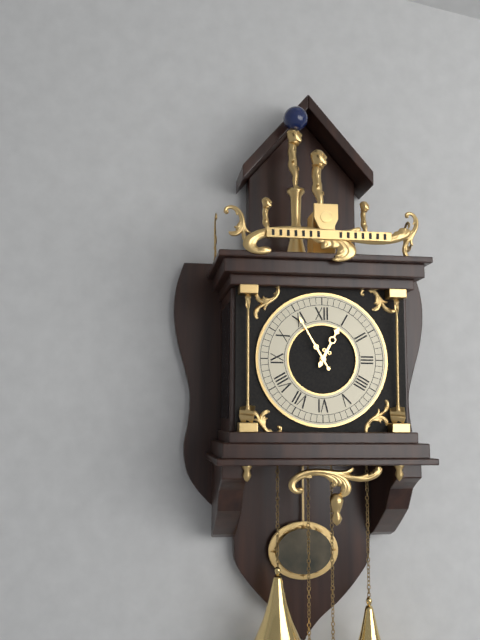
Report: 12 h 55 min
